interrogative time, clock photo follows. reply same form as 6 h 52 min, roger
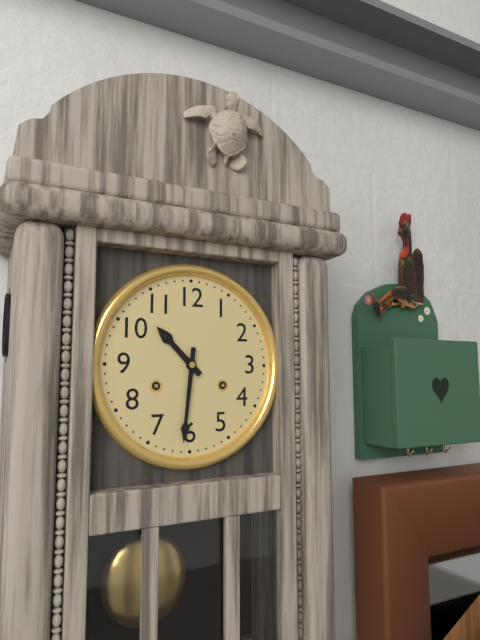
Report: 10 h 31 min
